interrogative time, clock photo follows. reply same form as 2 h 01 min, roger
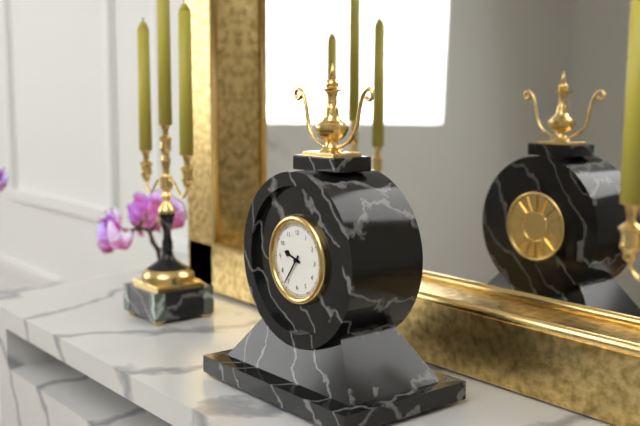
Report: 9 h 36 min
